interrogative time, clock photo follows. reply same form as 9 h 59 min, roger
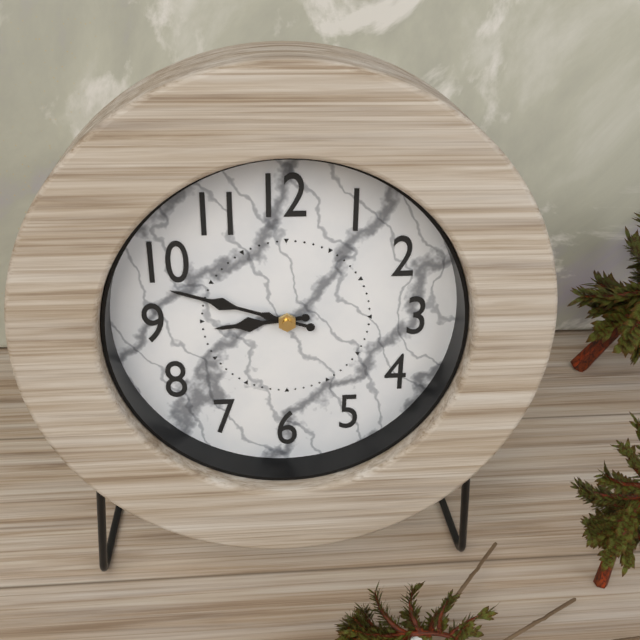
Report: 8 h 48 min
